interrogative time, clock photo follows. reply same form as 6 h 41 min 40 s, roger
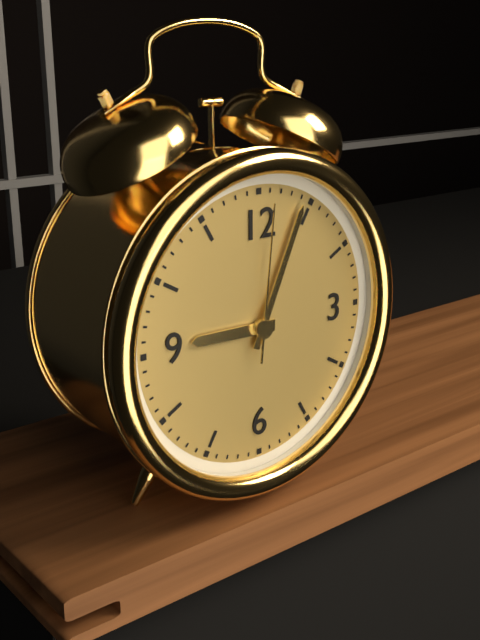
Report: 9 h 04 min 01 s
